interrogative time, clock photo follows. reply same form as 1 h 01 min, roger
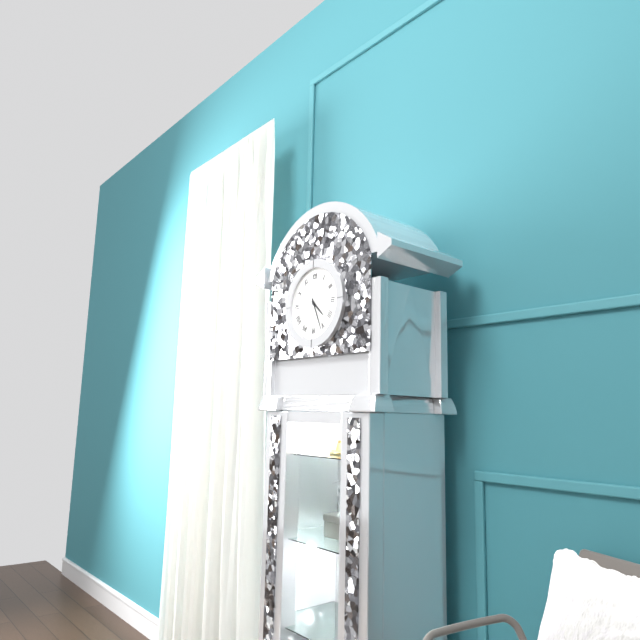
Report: 4 h 26 min
